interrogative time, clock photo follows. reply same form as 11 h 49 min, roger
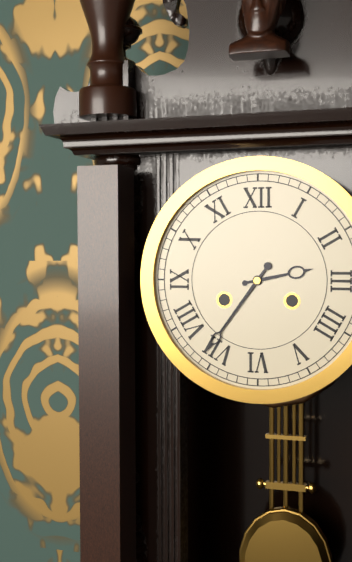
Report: 2 h 36 min
